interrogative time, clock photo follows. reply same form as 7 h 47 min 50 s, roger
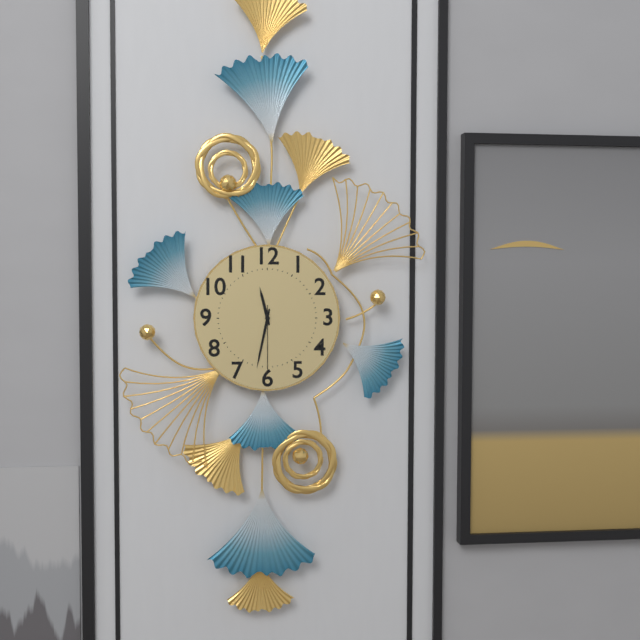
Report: 11 h 32 min 30 s
